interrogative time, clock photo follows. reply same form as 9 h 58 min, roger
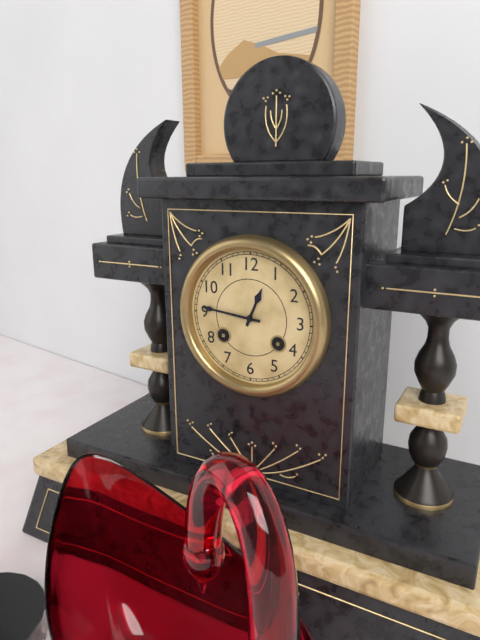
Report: 12 h 46 min
